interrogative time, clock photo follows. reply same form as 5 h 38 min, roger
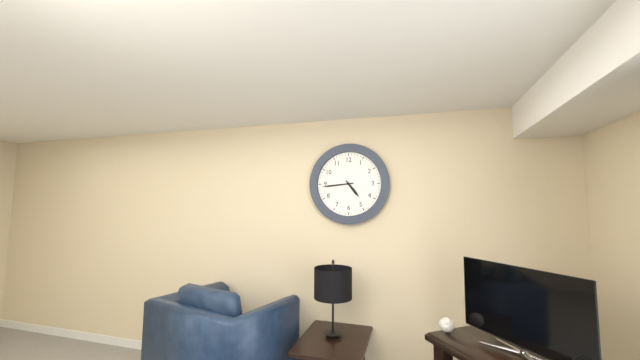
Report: 4 h 44 min
